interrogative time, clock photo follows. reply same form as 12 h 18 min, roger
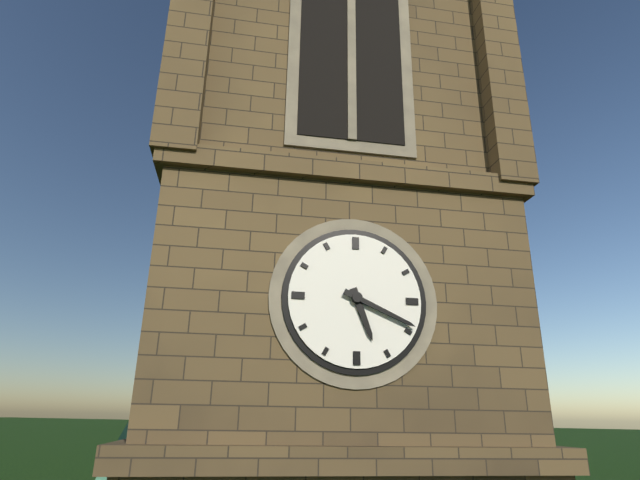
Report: 5 h 19 min
